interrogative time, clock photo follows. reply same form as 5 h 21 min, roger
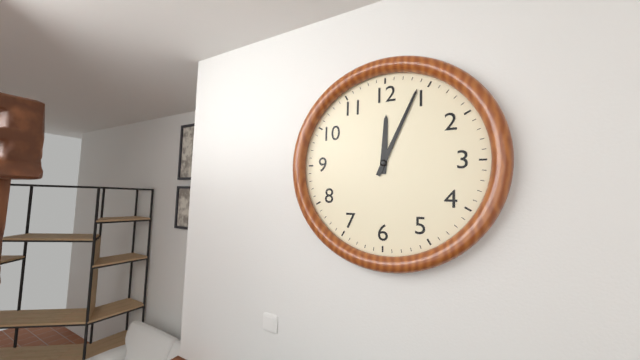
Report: 12 h 04 min
